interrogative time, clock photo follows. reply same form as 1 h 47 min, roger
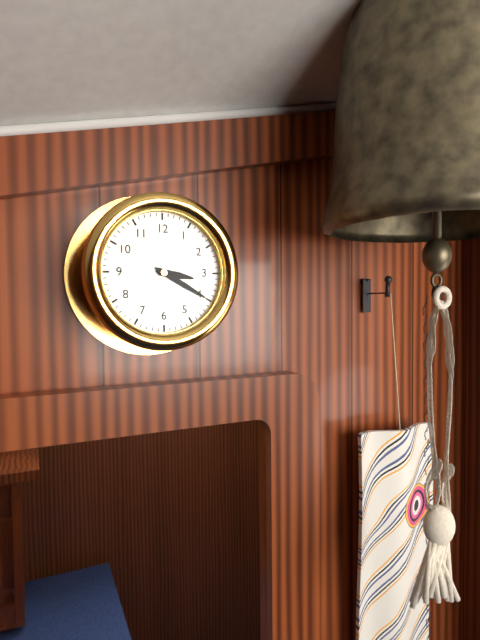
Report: 3 h 20 min
